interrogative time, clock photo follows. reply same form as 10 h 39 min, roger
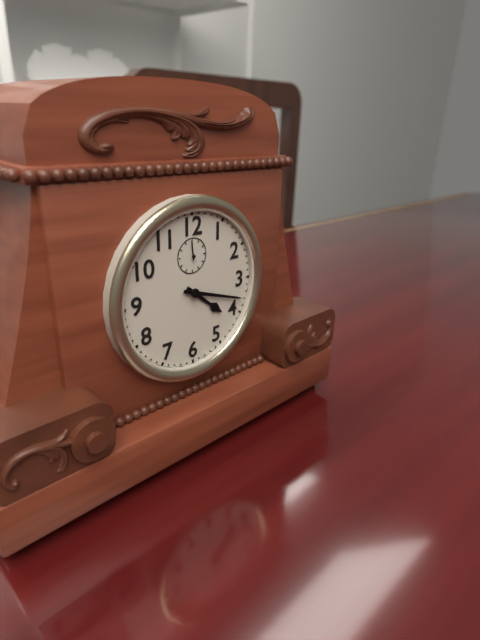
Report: 4 h 18 min
